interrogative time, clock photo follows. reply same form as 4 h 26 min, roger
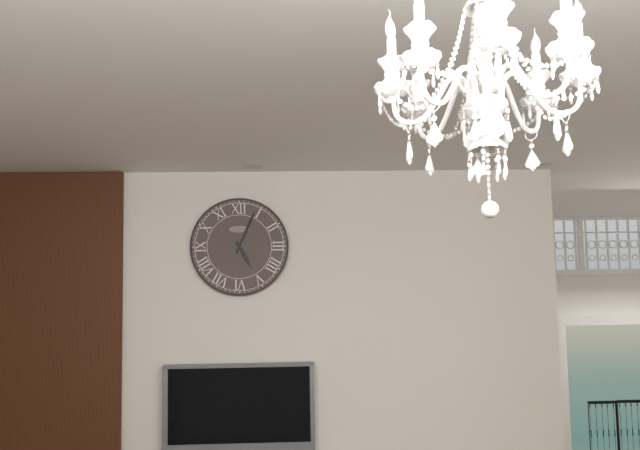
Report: 5 h 04 min
